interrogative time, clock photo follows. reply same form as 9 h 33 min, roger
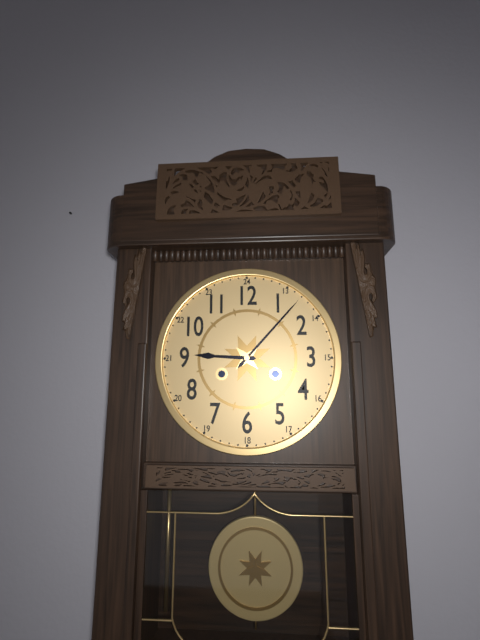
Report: 9 h 07 min
